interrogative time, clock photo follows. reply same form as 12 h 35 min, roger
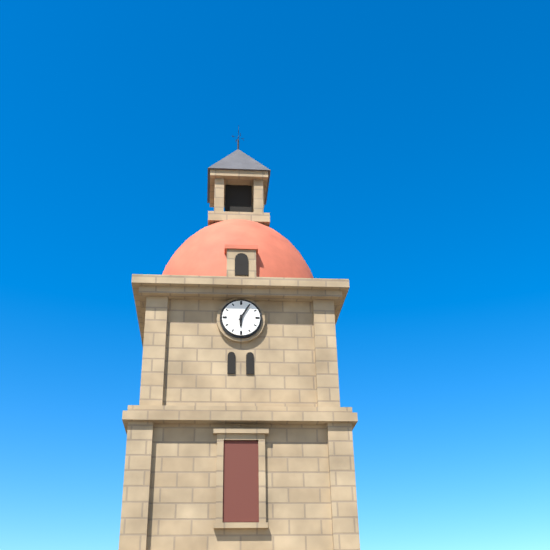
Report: 6 h 05 min
